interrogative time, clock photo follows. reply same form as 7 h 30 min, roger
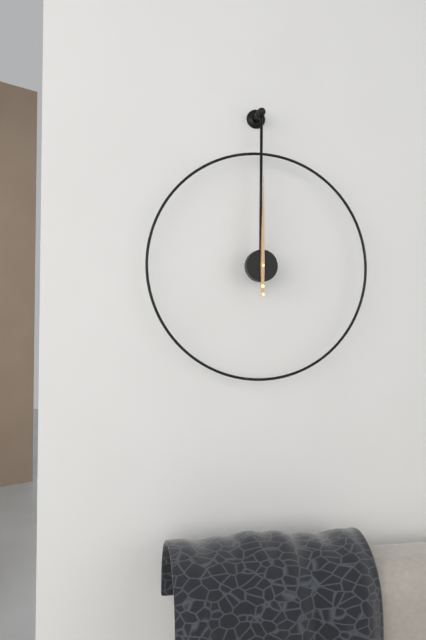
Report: 12 h 00 min
